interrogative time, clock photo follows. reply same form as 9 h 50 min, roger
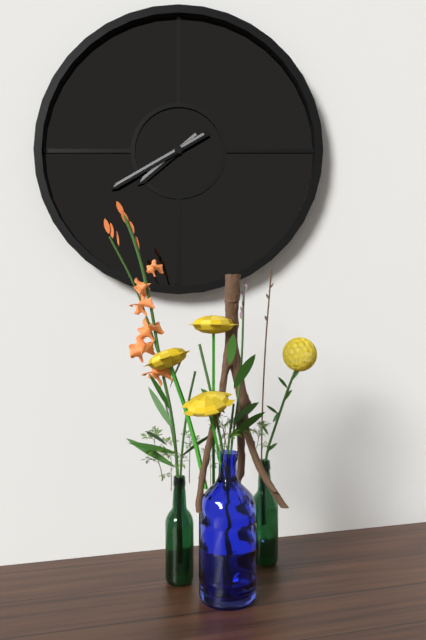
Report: 7 h 40 min
